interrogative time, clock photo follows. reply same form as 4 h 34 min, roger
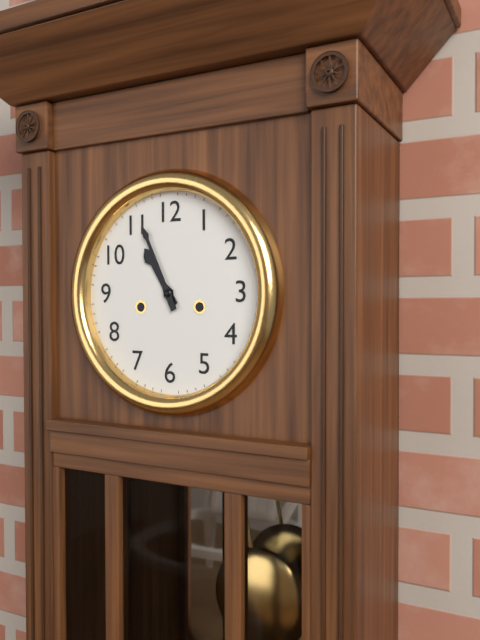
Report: 10 h 56 min
